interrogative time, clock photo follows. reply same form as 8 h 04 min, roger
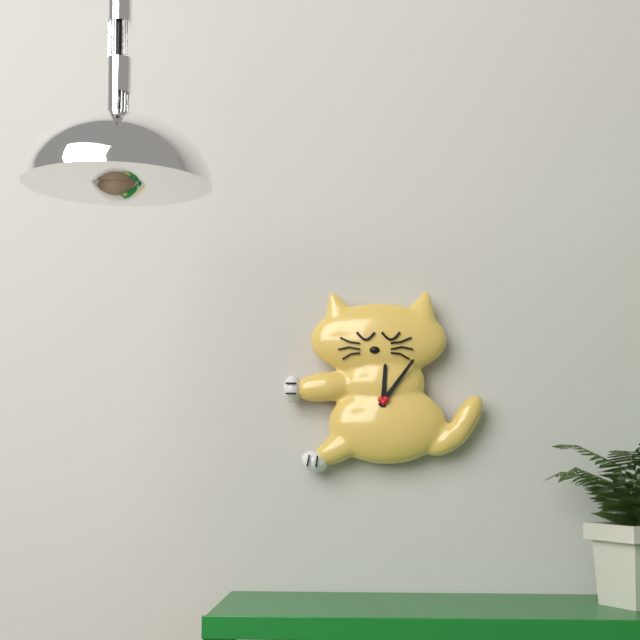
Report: 12 h 06 min
